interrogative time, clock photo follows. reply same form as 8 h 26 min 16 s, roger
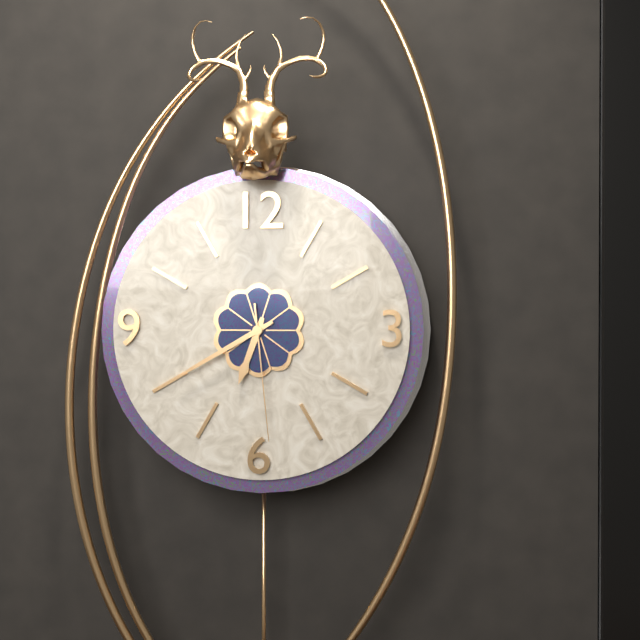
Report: 6 h 40 min 29 s
